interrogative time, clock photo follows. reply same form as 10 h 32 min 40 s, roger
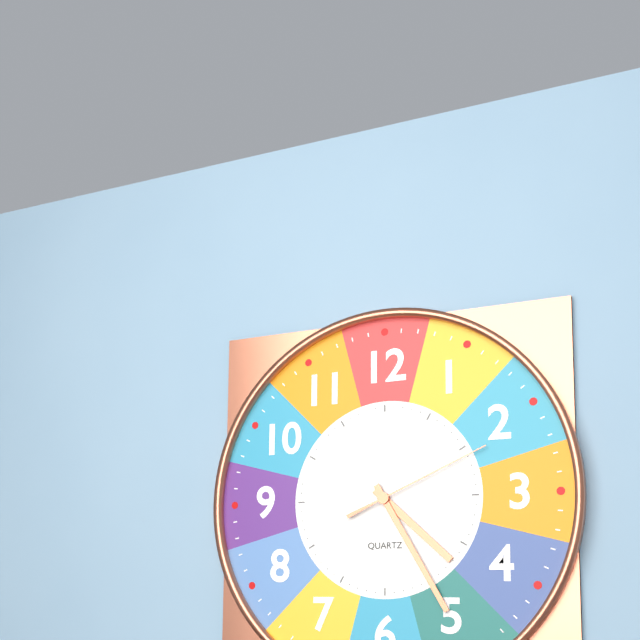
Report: 4 h 25 min 11 s
